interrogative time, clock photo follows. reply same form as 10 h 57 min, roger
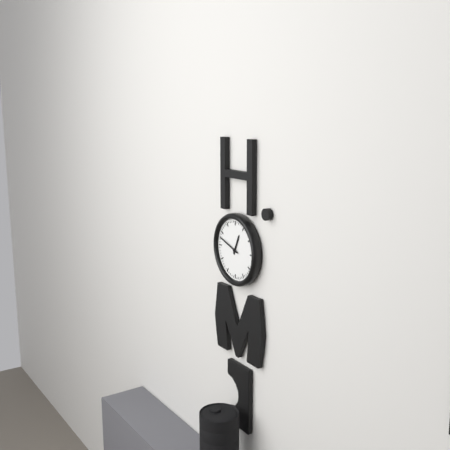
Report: 12 h 48 min
